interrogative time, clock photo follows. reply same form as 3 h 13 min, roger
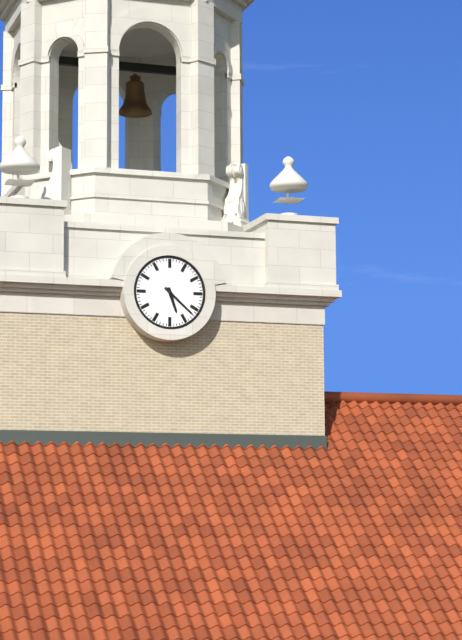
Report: 5 h 22 min
